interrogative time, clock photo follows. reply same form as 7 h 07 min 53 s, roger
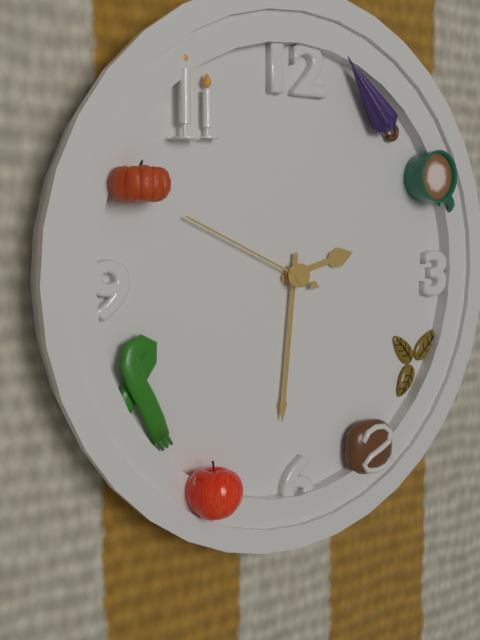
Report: 2 h 31 min 49 s
